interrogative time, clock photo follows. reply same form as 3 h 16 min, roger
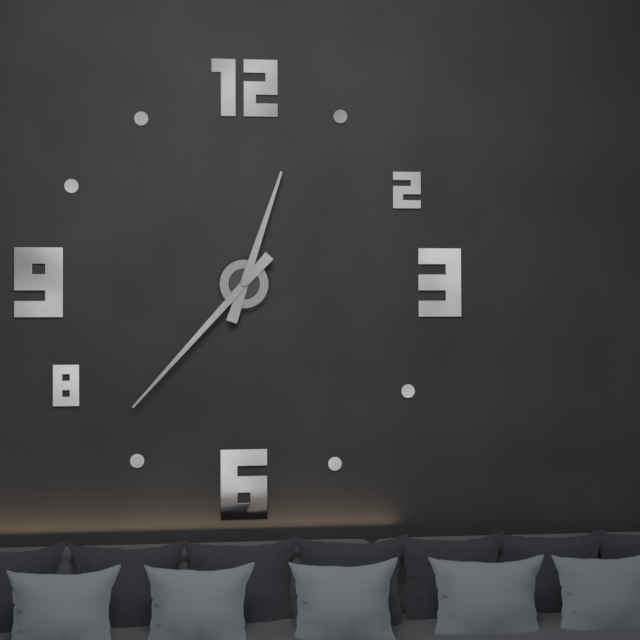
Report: 12 h 37 min
